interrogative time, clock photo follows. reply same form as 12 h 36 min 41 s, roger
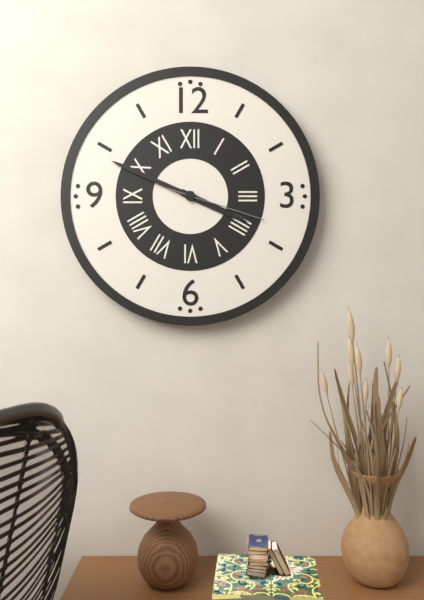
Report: 3 h 49 min 18 s
